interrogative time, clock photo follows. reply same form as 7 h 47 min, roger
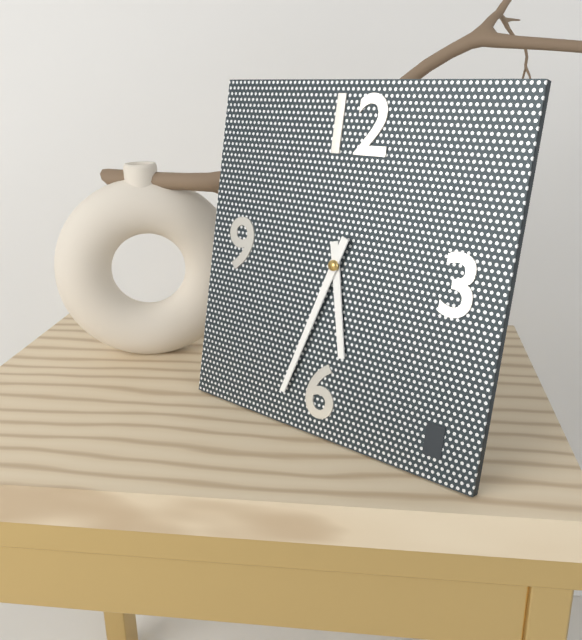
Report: 5 h 33 min
